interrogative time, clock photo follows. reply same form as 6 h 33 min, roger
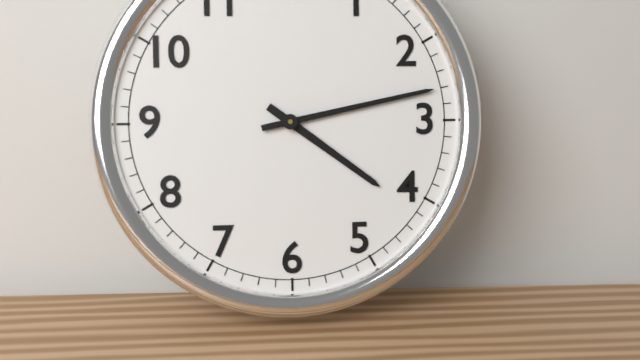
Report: 4 h 13 min
